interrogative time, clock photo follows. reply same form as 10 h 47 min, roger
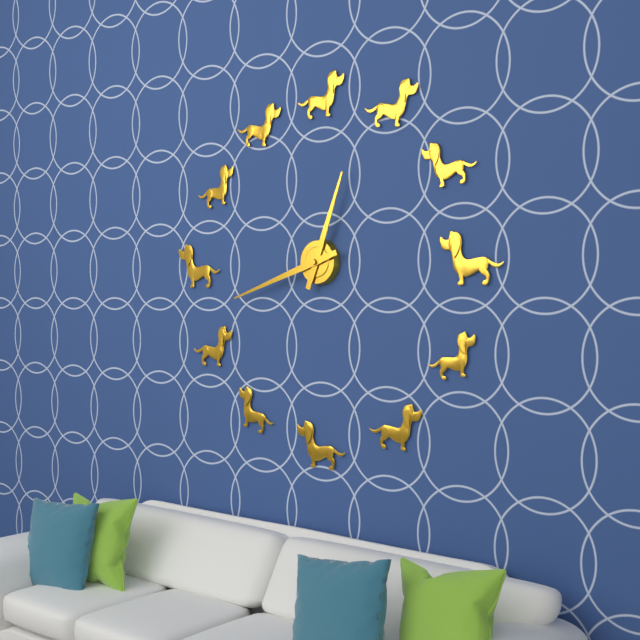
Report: 12 h 42 min
